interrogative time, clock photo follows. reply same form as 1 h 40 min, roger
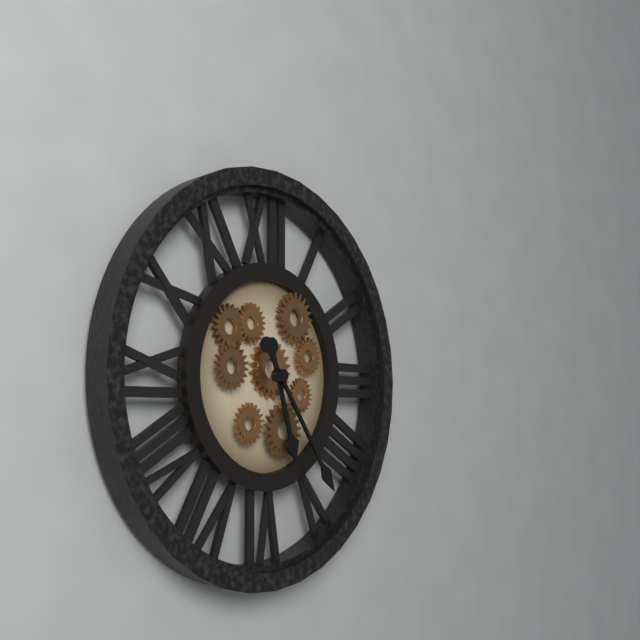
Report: 5 h 24 min
